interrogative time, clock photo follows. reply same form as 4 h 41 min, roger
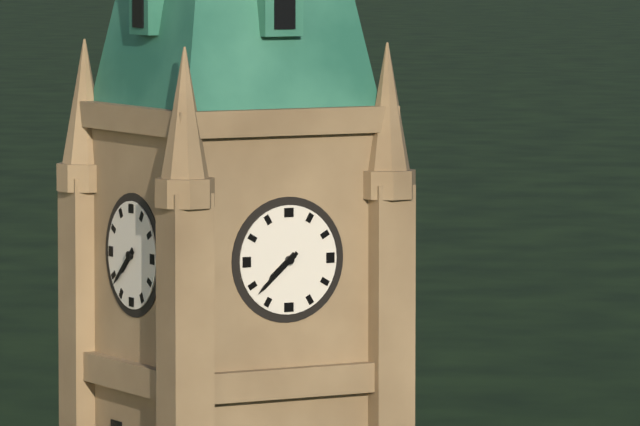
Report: 7 h 38 min
